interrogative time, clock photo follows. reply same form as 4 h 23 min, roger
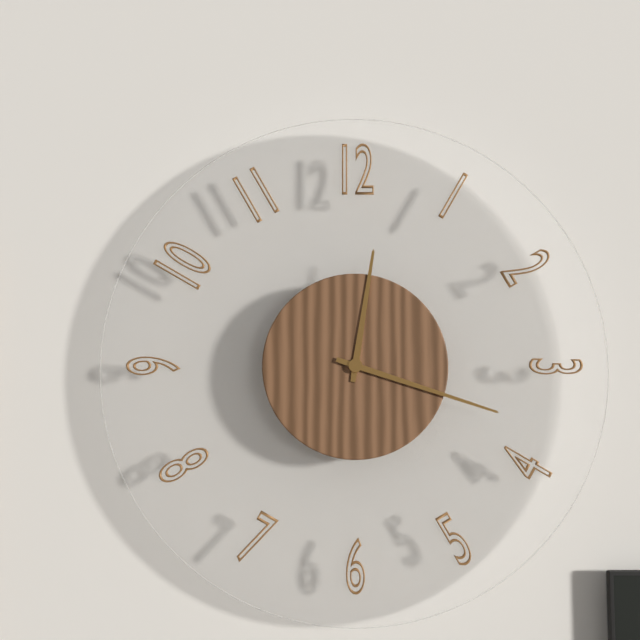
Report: 12 h 18 min
